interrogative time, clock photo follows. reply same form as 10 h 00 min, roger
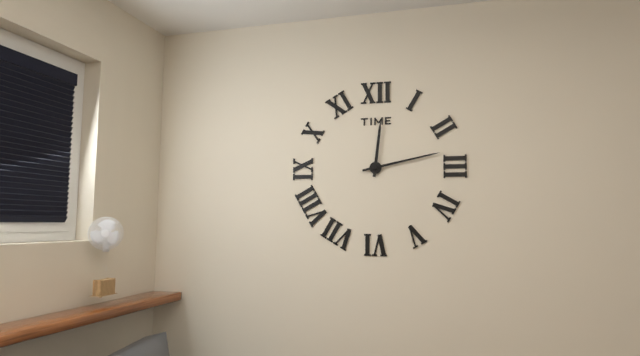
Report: 12 h 13 min
